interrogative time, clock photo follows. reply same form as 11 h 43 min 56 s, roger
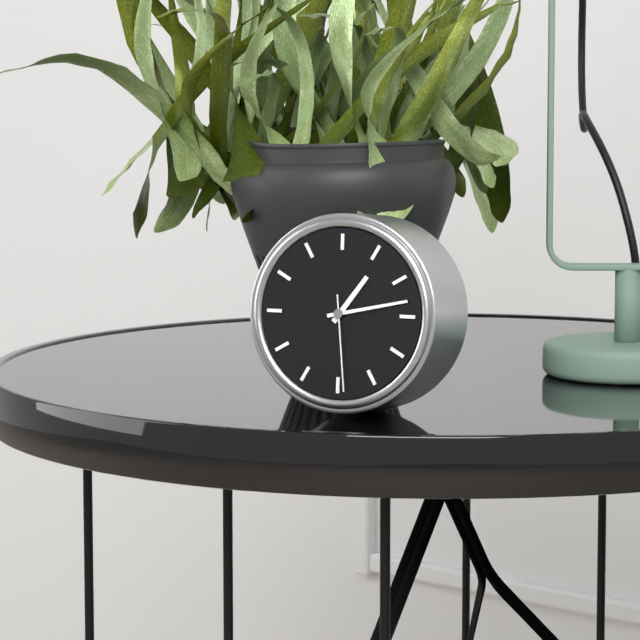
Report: 1 h 13 min 29 s
